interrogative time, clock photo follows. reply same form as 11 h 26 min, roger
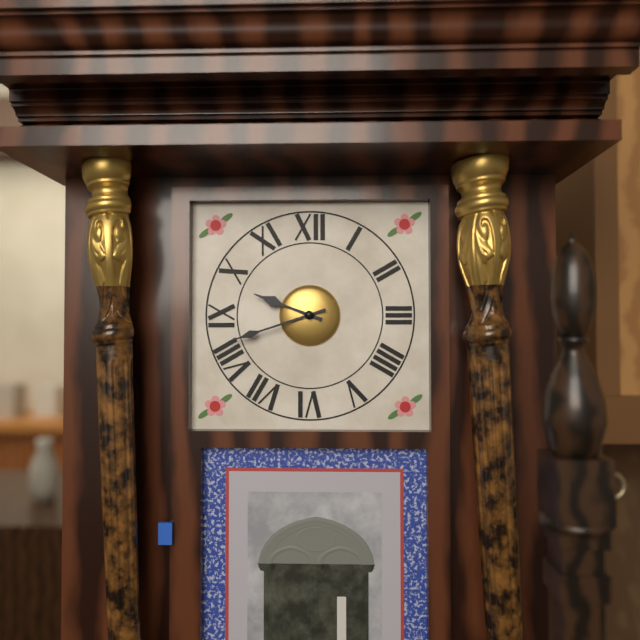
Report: 9 h 42 min
